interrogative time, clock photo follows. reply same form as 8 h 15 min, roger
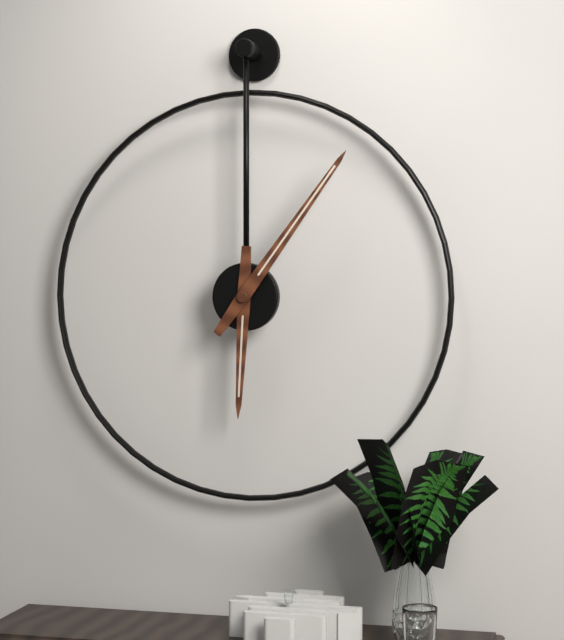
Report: 6 h 06 min
